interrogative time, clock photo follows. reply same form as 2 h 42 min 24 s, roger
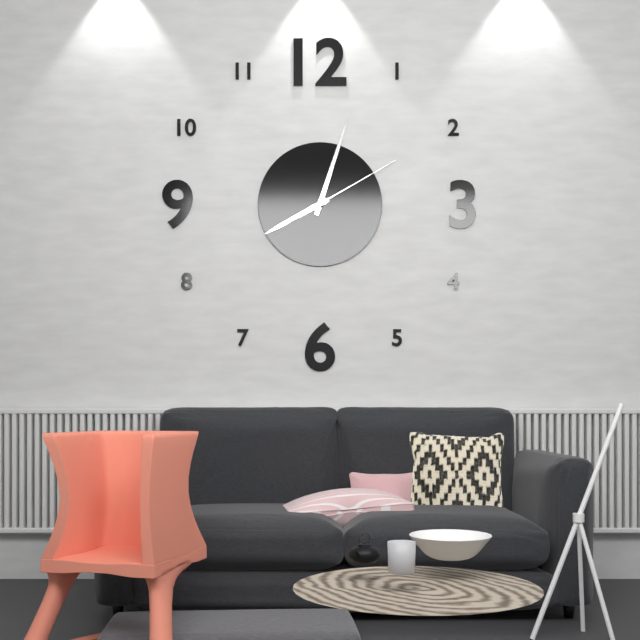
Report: 8 h 03 min 10 s
